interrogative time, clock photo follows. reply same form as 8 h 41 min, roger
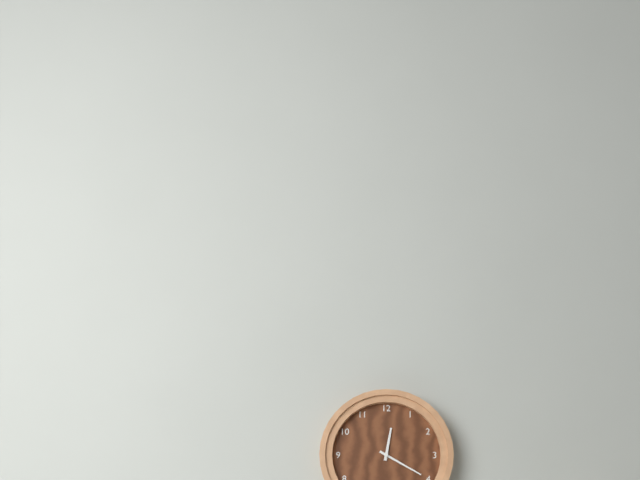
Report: 12 h 20 min
